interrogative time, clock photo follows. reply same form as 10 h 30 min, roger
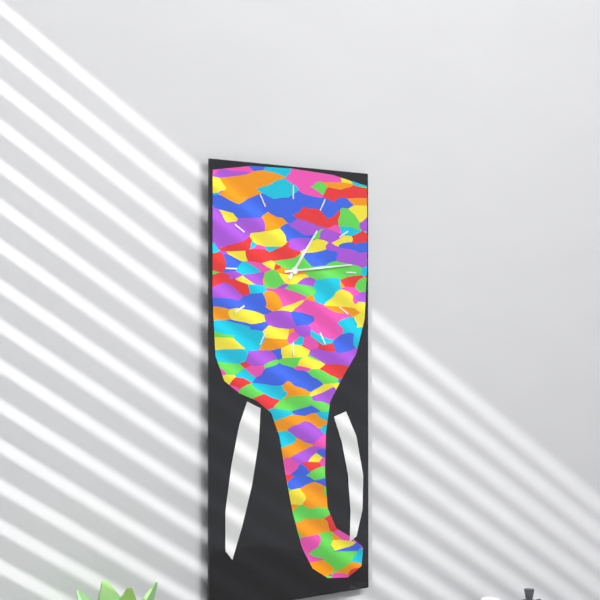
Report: 1 h 14 min
